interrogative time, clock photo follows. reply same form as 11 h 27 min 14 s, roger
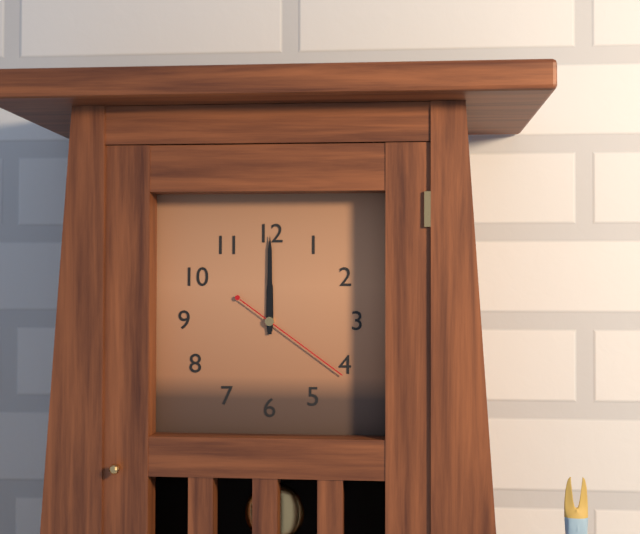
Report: 12 h 00 min 21 s
